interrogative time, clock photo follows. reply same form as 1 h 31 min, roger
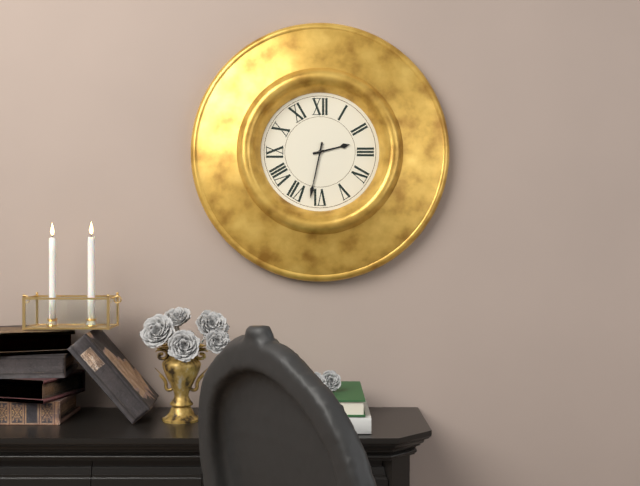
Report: 2 h 32 min
